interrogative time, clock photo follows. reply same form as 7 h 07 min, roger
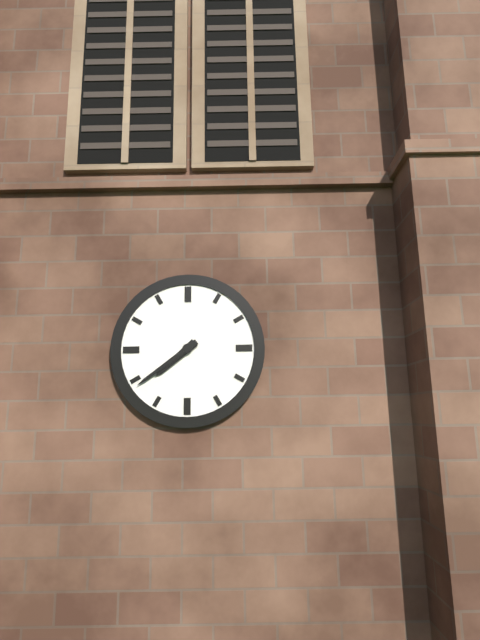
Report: 7 h 39 min
